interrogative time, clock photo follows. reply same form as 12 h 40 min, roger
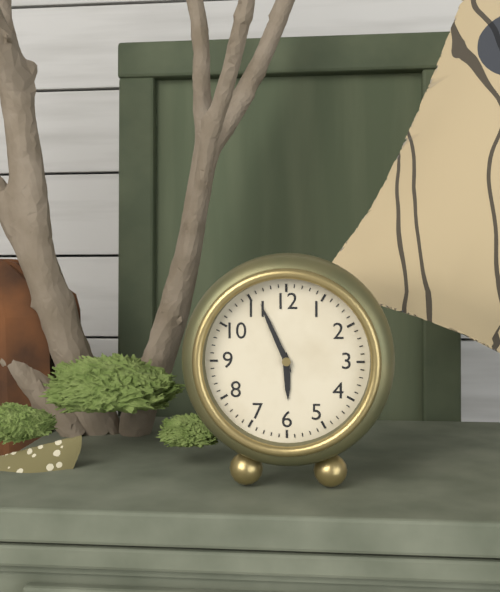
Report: 5 h 56 min
